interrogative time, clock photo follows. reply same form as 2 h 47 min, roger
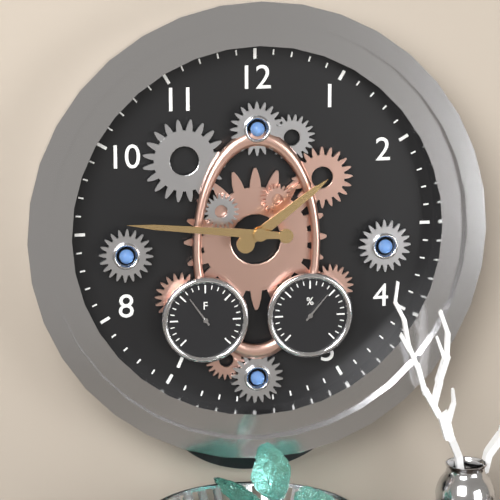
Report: 1 h 46 min
